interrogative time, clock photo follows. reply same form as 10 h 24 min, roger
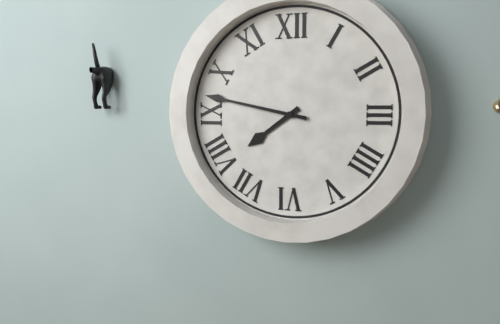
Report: 7 h 47 min
